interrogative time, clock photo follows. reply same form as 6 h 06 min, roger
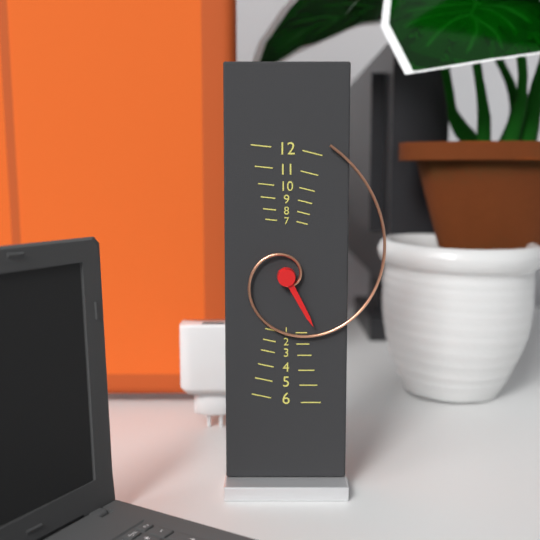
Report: 5 h 03 min
